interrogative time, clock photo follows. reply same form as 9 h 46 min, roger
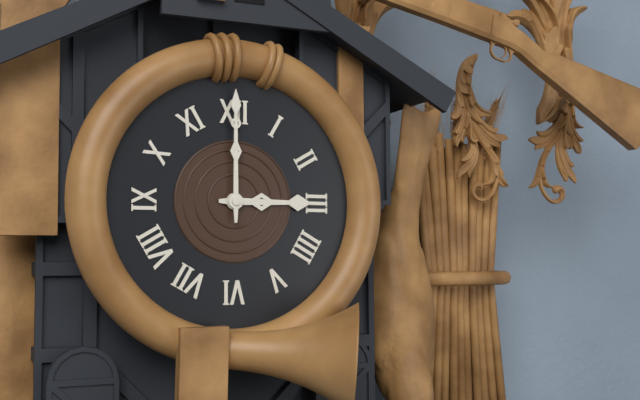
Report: 3 h 00 min
